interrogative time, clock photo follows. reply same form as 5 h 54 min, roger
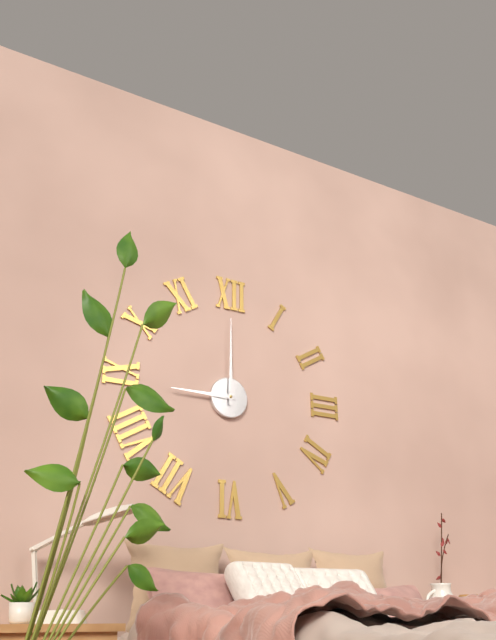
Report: 9 h 00 min
